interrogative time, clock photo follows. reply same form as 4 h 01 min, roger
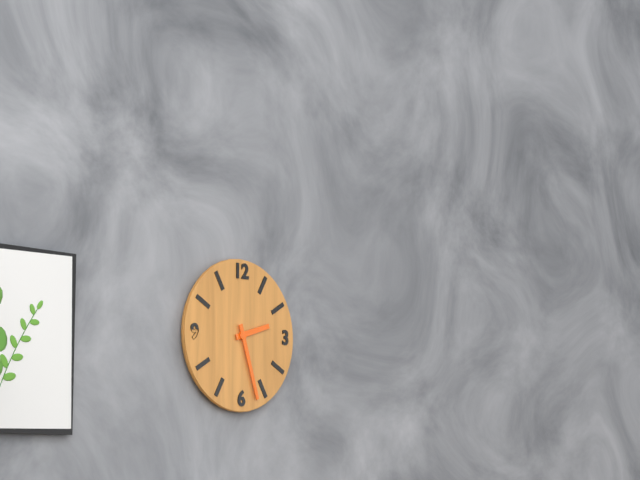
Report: 2 h 27 min
